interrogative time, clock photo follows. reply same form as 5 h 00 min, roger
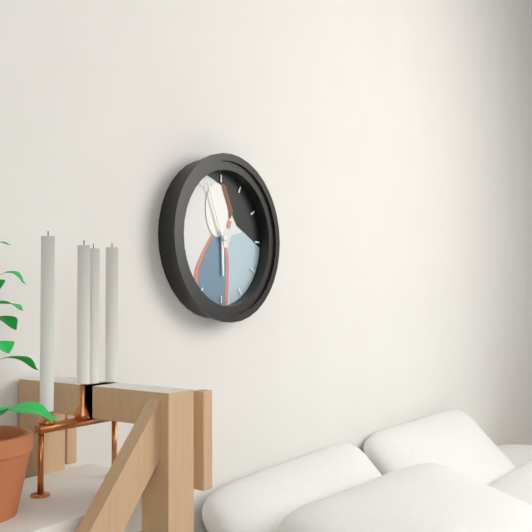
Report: 5 h 56 min
